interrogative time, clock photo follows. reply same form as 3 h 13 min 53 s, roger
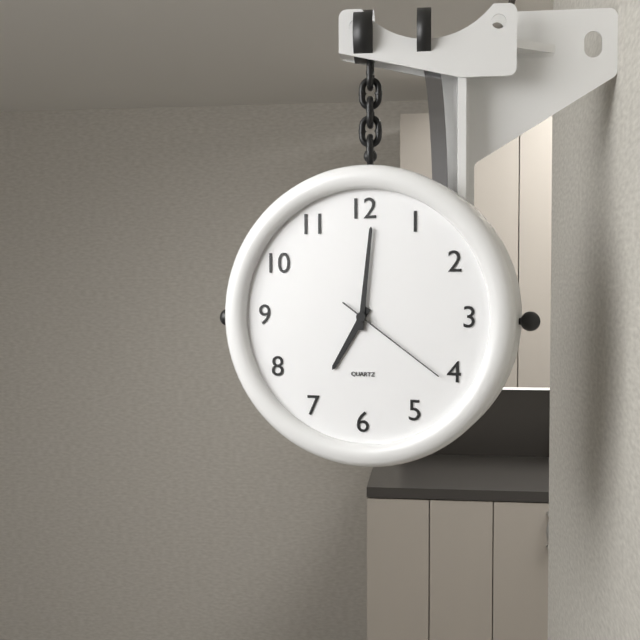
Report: 7 h 01 min 21 s
